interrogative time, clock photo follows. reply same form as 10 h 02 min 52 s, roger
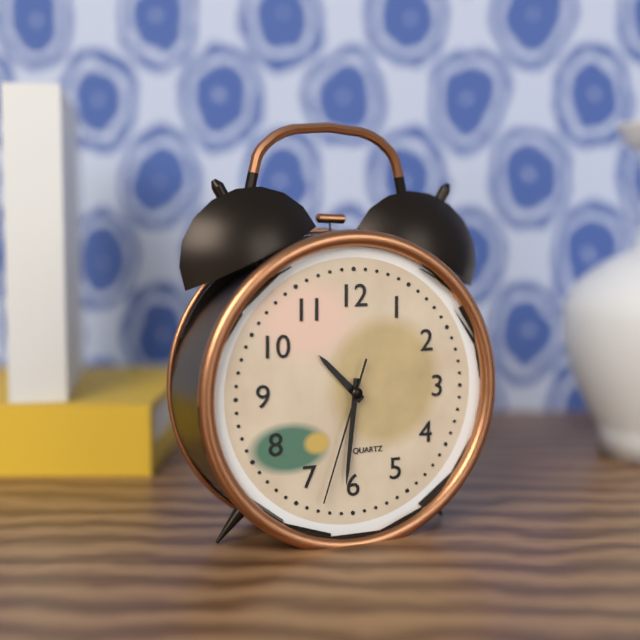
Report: 10 h 31 min 33 s
